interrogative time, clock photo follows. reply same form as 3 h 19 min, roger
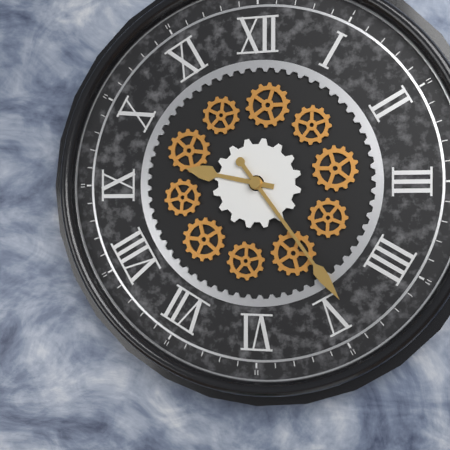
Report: 9 h 24 min
